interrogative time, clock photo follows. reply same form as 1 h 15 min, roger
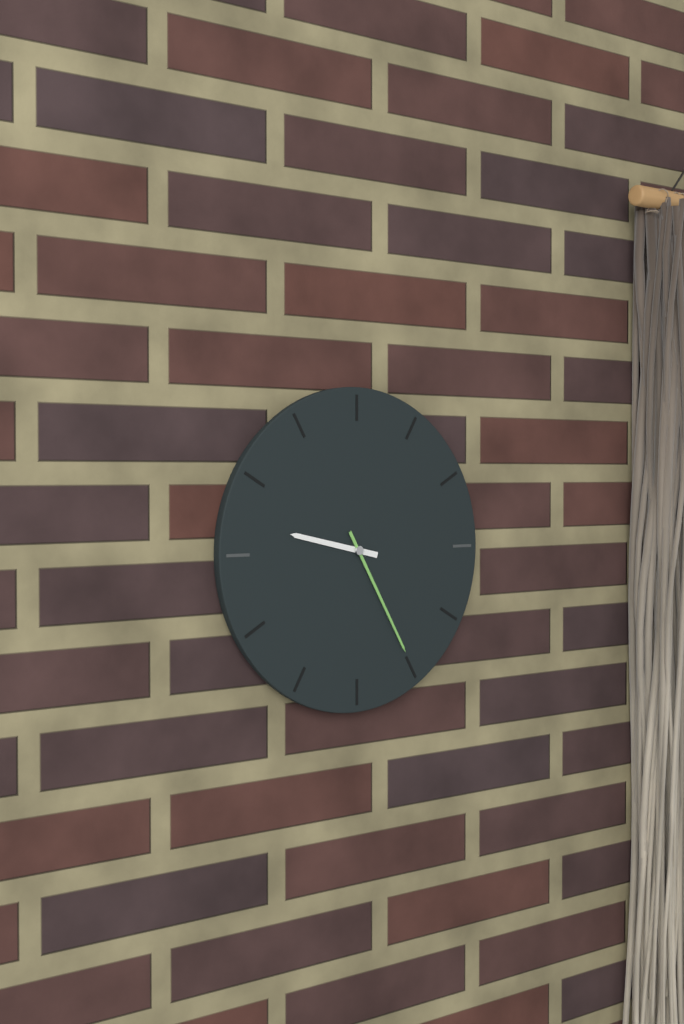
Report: 9 h 25 min
